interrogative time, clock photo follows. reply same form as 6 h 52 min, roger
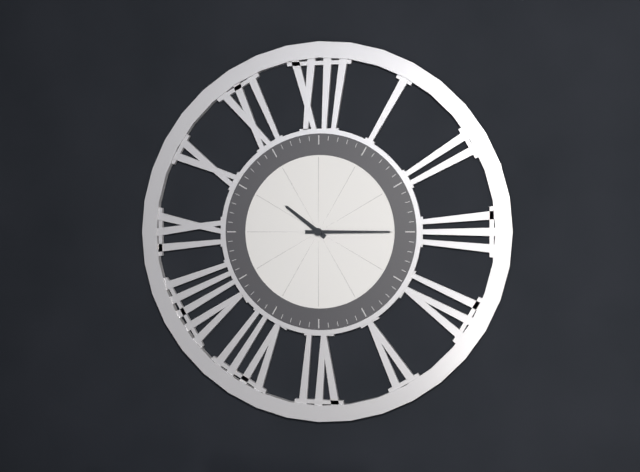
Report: 10 h 15 min
